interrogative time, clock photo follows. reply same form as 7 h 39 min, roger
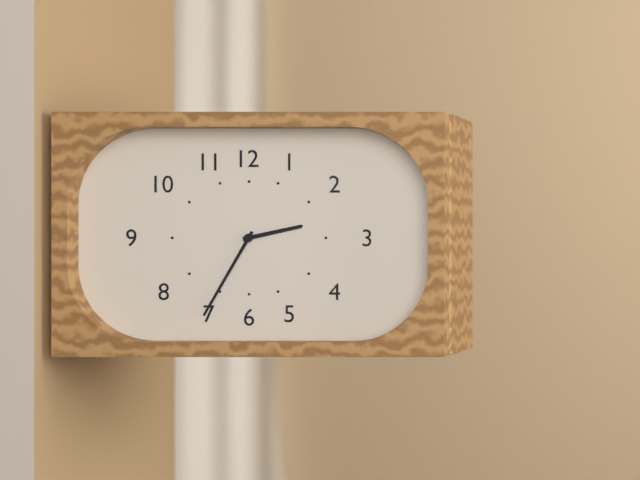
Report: 2 h 35 min
